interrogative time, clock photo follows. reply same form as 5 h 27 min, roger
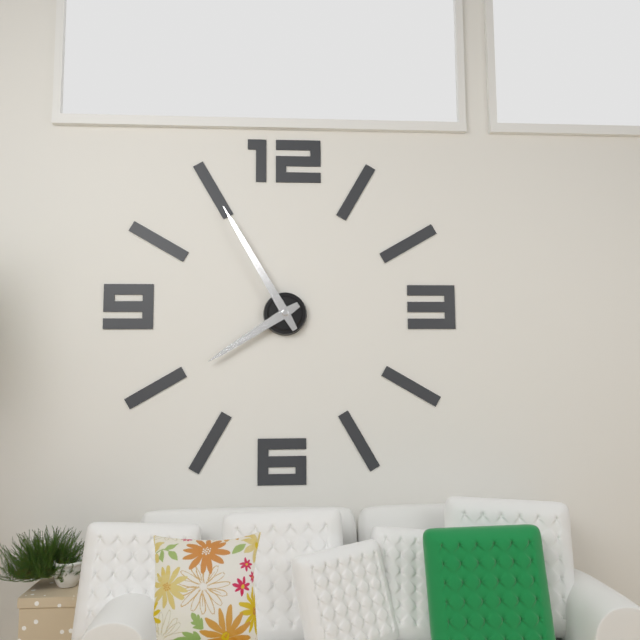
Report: 7 h 55 min
